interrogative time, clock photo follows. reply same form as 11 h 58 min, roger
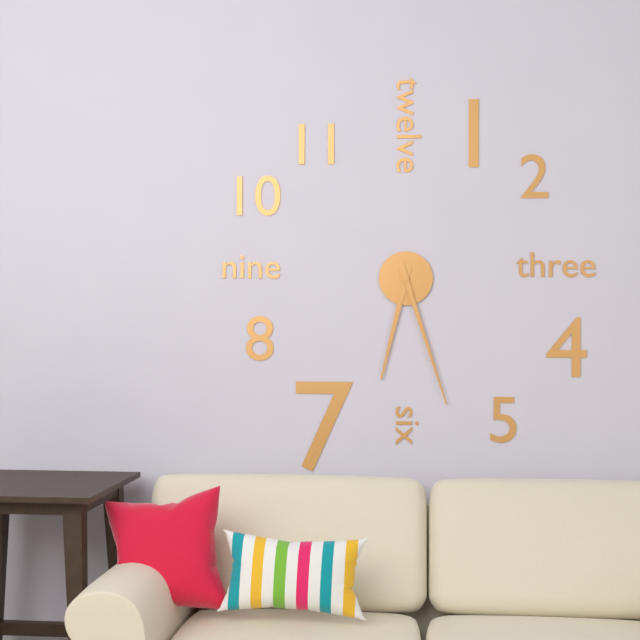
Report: 6 h 27 min
